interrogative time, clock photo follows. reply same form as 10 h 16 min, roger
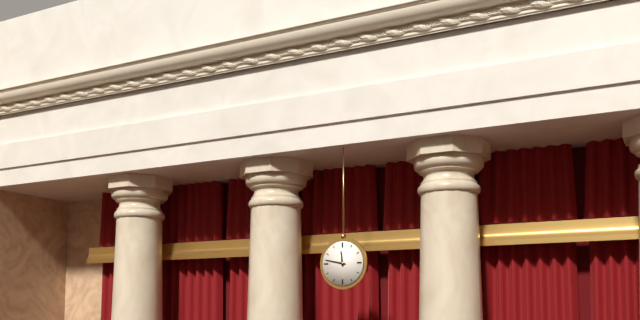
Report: 11 h 47 min
